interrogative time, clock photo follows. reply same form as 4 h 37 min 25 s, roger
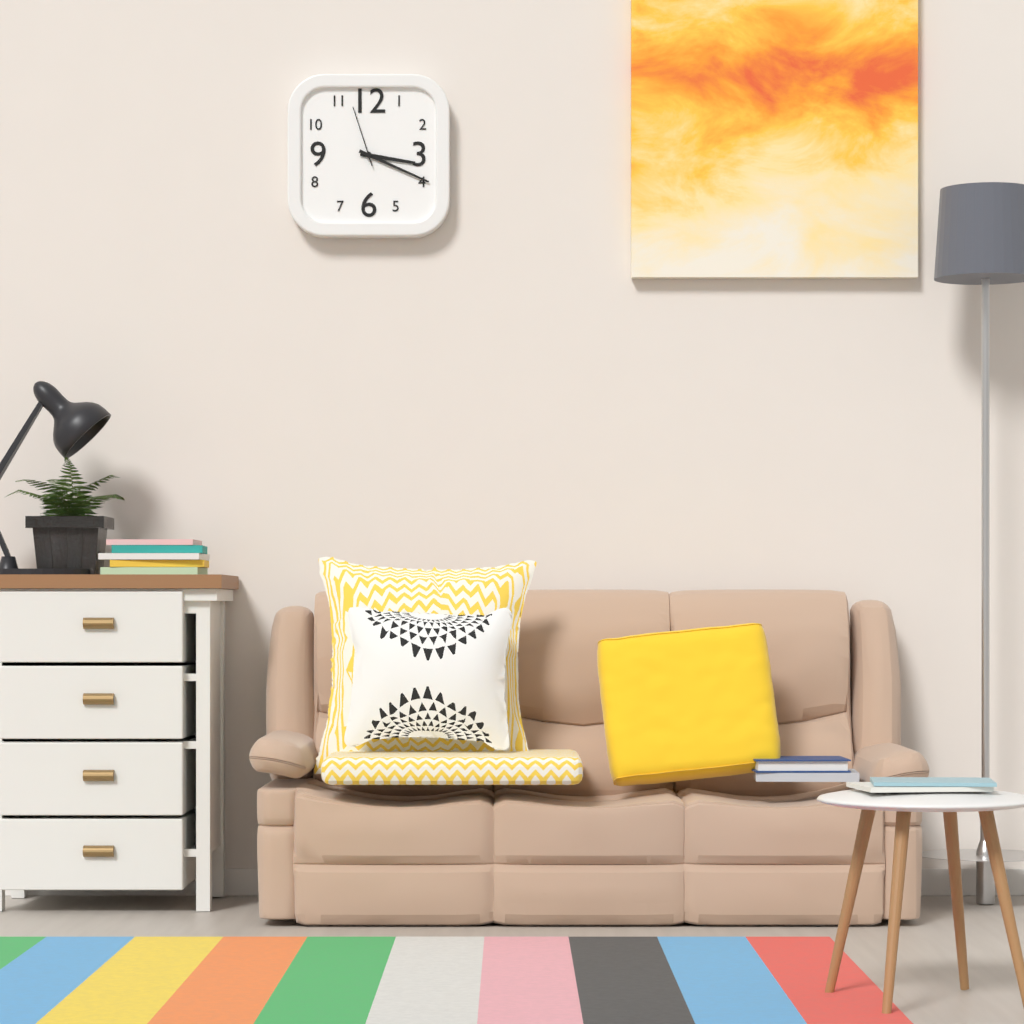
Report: 3 h 19 min 57 s
